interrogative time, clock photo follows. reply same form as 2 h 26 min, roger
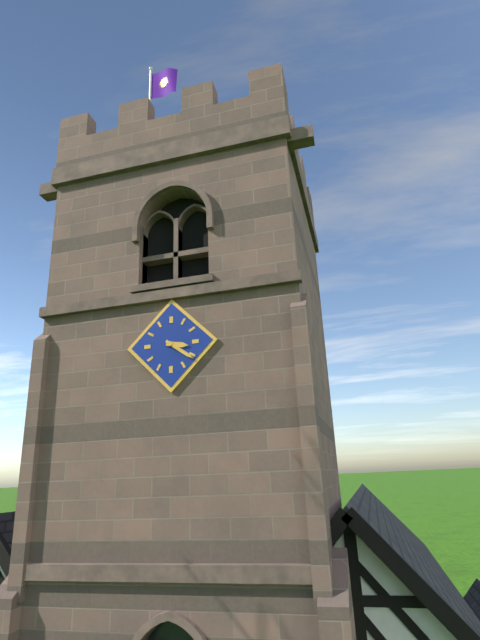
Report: 3 h 21 min
